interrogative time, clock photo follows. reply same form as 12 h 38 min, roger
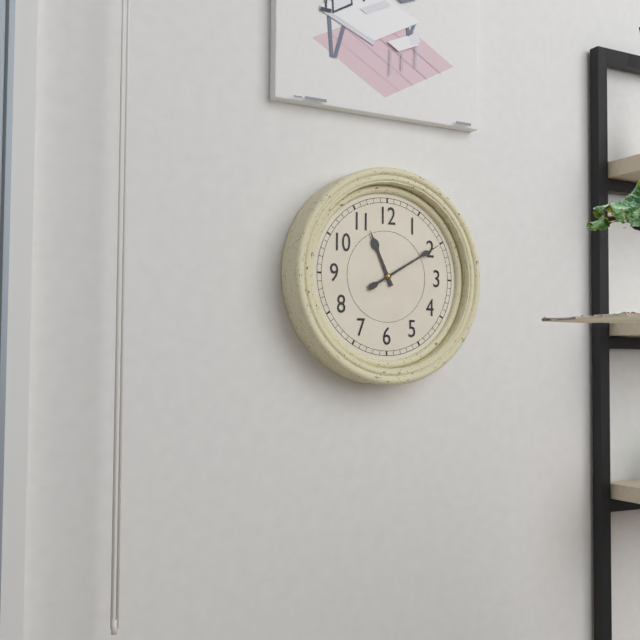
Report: 11 h 10 min
